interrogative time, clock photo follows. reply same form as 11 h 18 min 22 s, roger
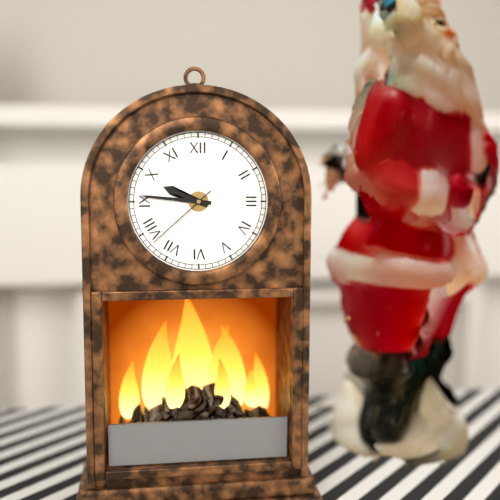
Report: 9 h 46 min 38 s
